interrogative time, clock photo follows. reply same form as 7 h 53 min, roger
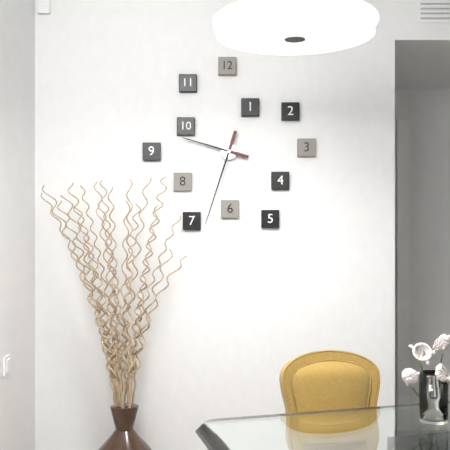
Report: 9 h 33 min
